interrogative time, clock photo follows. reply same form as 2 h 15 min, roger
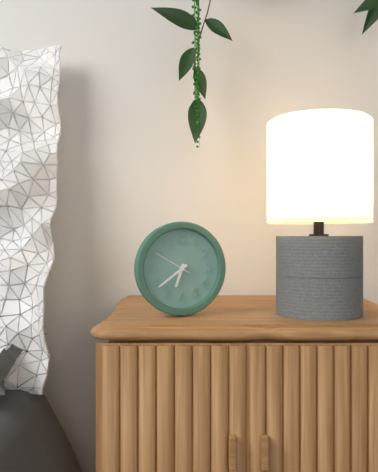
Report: 6 h 39 min
